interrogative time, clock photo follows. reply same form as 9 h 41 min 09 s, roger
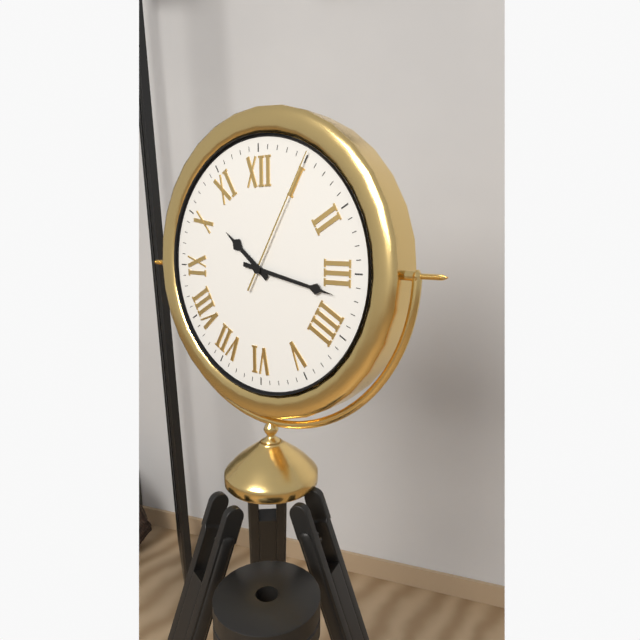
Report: 10 h 17 min 05 s
